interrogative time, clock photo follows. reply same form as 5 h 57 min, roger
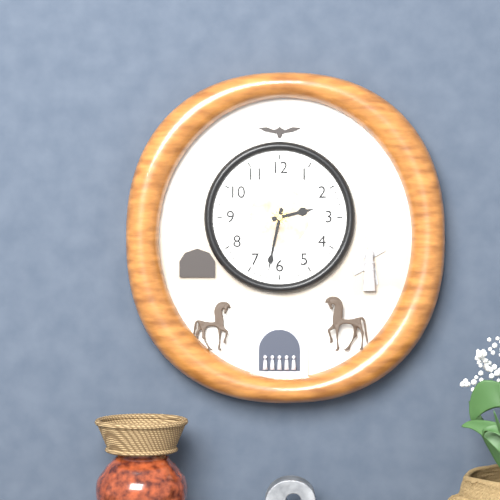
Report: 2 h 32 min
